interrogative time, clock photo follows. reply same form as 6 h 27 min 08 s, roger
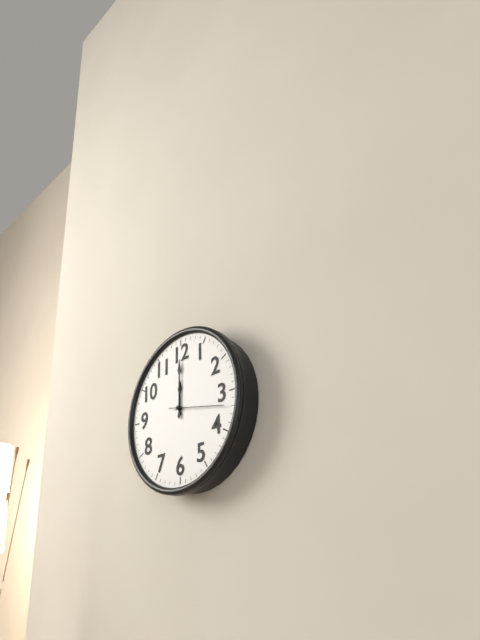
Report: 12 h 00 min 17 s
